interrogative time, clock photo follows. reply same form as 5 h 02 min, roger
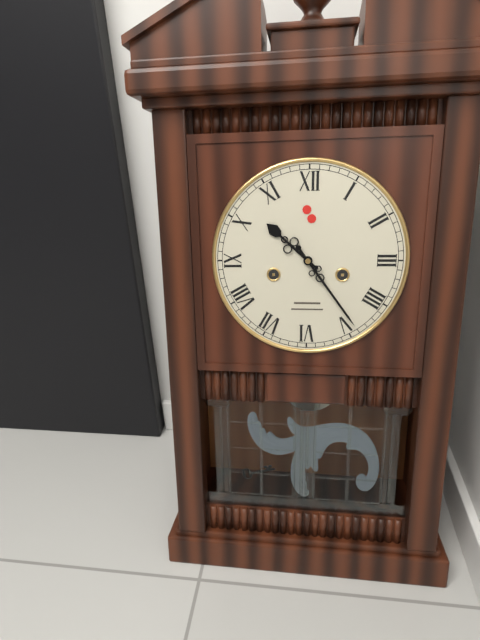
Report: 10 h 24 min
